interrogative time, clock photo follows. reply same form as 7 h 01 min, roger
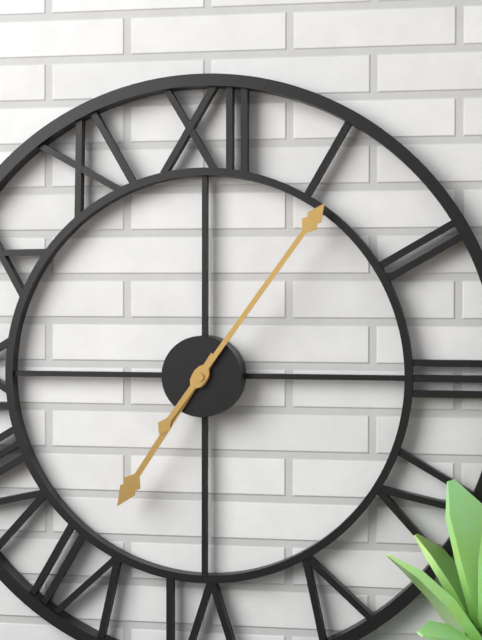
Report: 7 h 06 min
